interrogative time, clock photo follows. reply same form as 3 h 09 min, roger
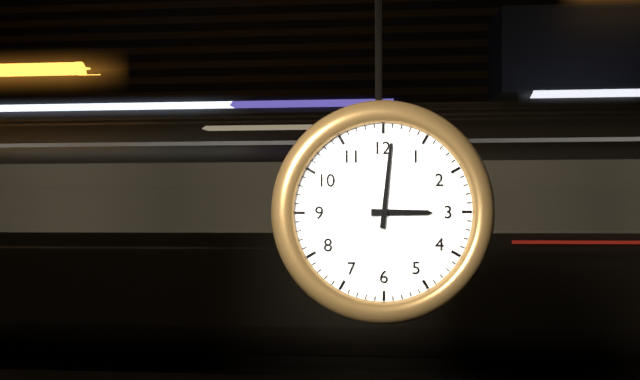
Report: 3 h 01 min
